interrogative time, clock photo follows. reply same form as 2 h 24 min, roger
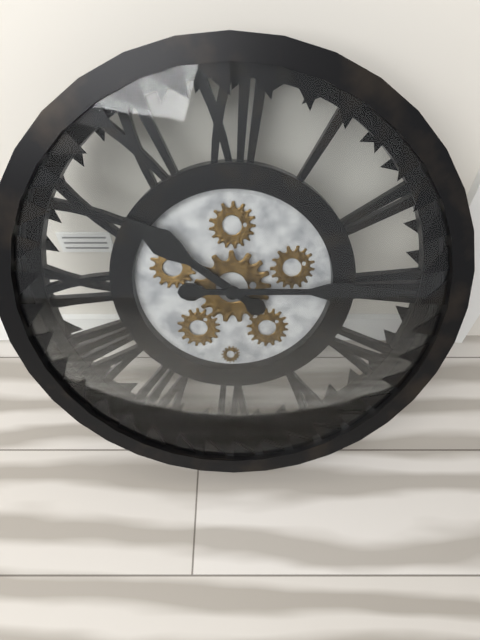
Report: 10 h 15 min
